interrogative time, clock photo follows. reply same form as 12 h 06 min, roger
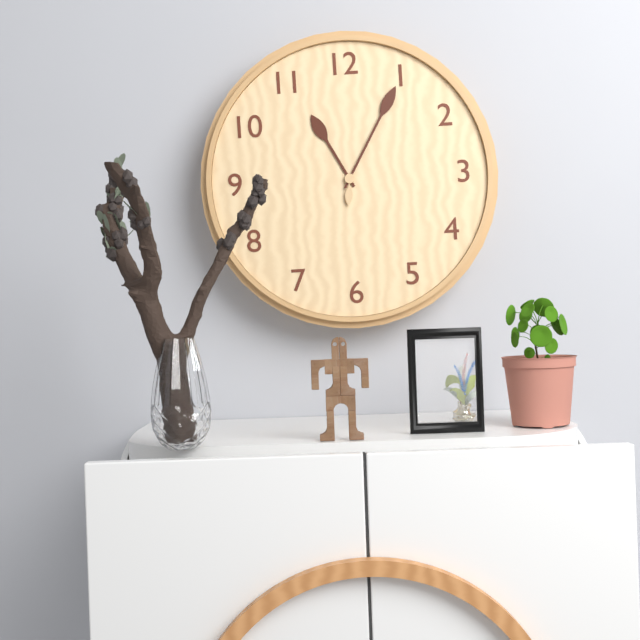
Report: 11 h 05 min
